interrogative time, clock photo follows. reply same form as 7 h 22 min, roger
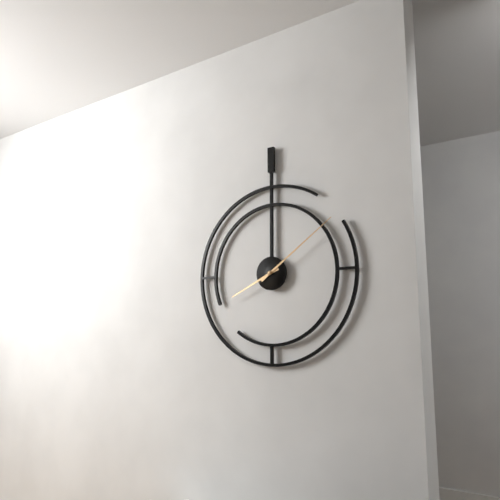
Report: 8 h 09 min
